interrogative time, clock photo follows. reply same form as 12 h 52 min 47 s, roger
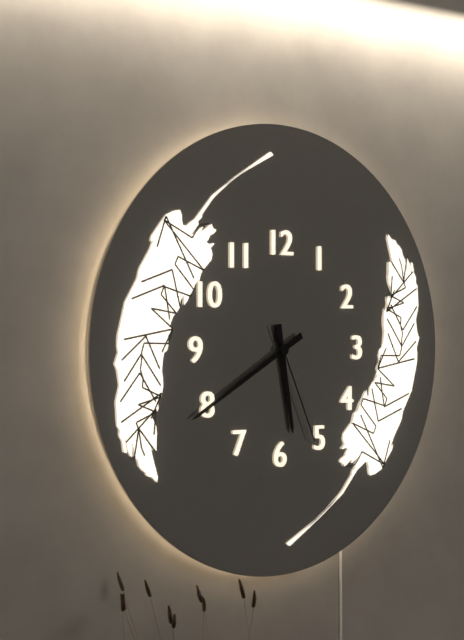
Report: 5 h 40 min 26 s
